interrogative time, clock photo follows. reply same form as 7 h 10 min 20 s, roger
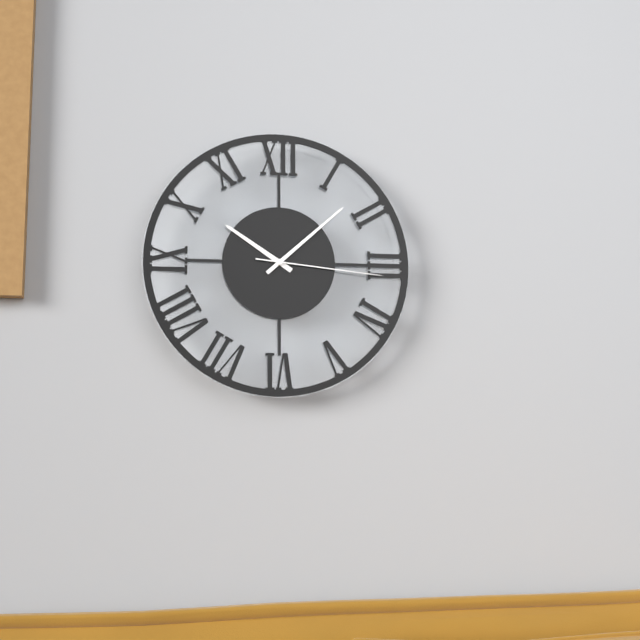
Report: 10 h 08 min 16 s
